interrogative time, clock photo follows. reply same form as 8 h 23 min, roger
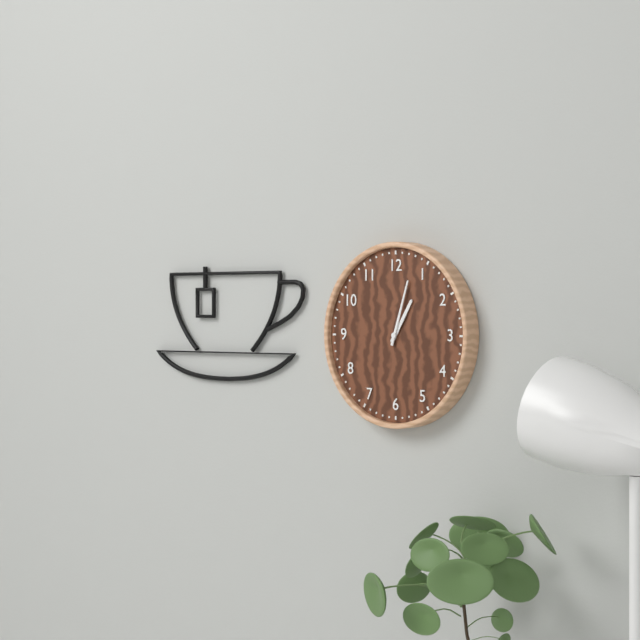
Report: 1 h 03 min
